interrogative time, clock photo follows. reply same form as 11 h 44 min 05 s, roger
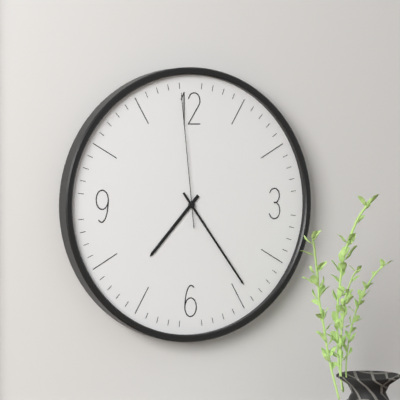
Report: 7 h 24 min 59 s
